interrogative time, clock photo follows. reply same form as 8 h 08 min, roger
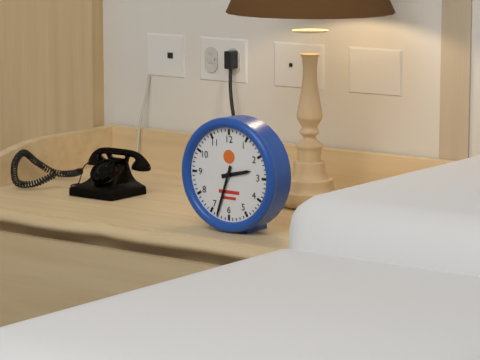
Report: 2 h 33 min
